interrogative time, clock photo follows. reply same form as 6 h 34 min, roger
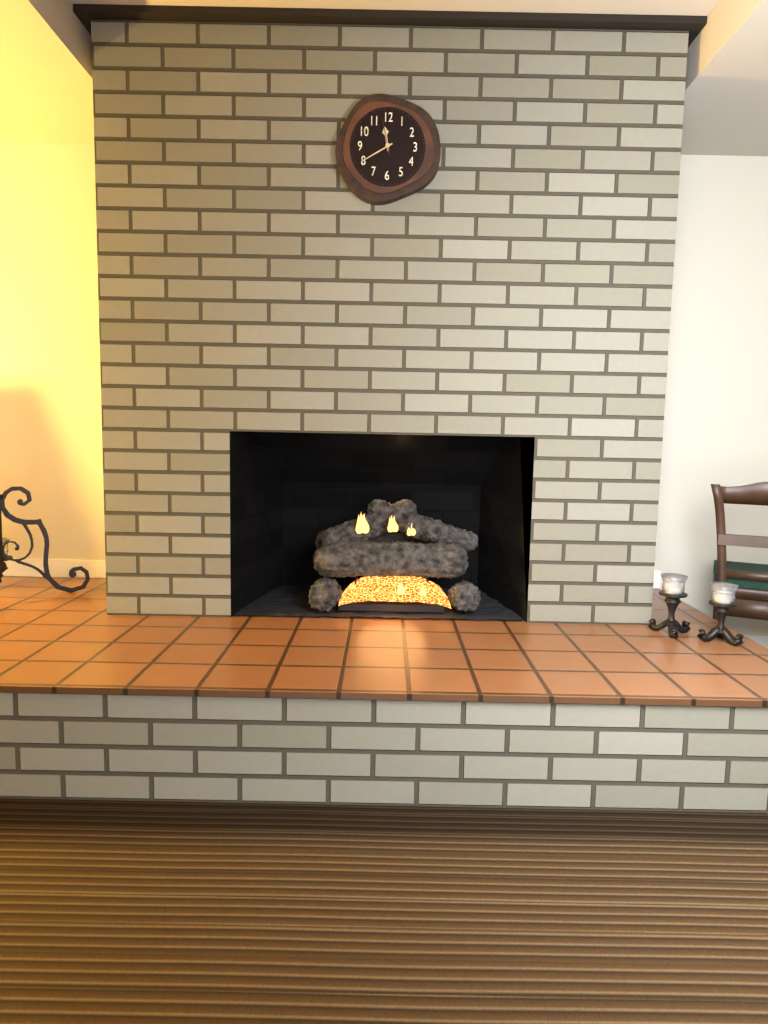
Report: 11 h 40 min
